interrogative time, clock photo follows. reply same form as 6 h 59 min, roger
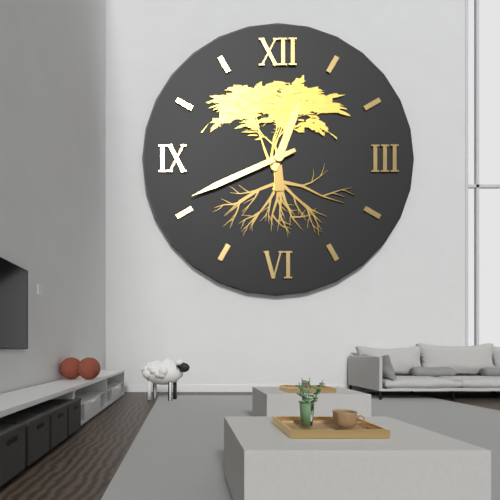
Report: 12 h 41 min
